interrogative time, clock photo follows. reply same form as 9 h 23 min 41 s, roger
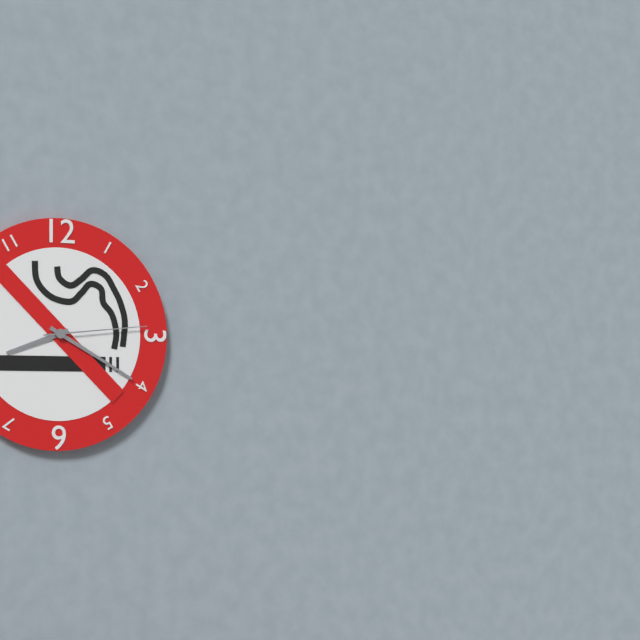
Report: 8 h 20 min 14 s
